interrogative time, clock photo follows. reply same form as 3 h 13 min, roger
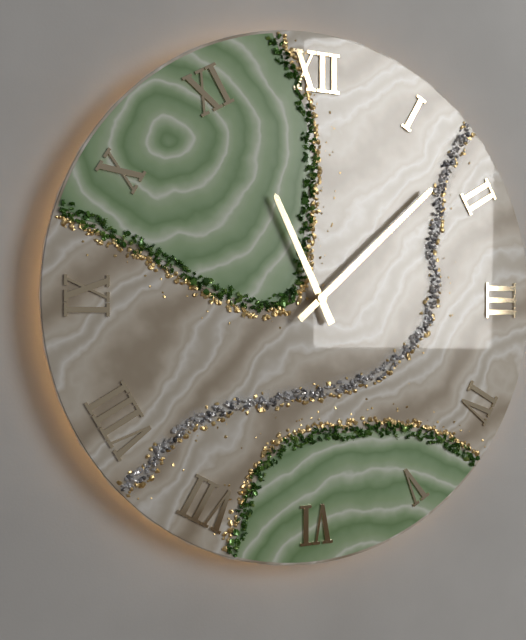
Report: 11 h 08 min
